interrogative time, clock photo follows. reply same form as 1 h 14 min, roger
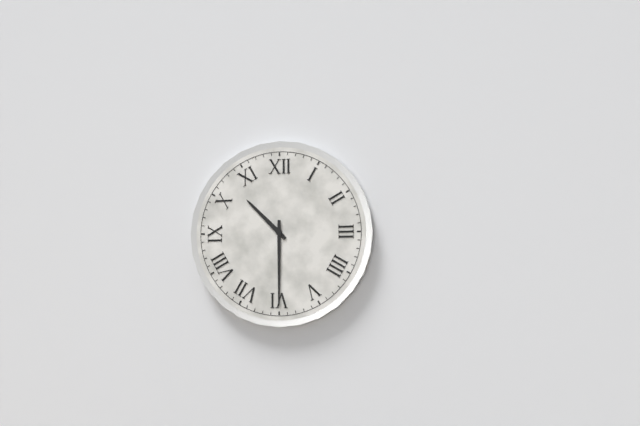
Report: 10 h 30 min
